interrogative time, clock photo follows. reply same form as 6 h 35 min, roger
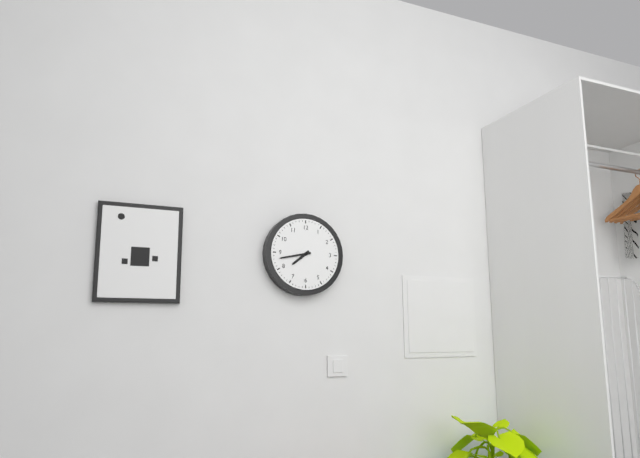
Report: 7 h 43 min
